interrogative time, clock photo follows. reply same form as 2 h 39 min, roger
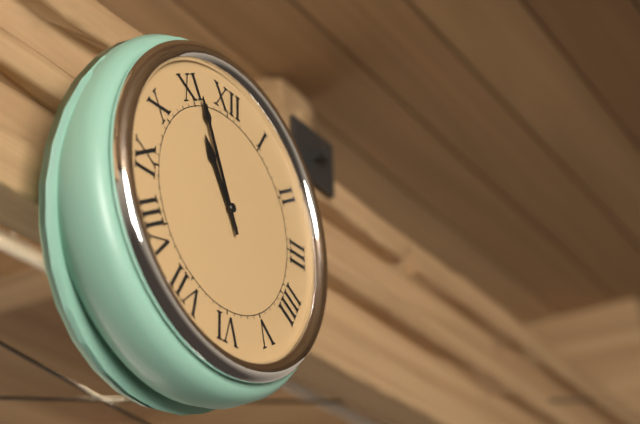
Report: 10 h 56 min
